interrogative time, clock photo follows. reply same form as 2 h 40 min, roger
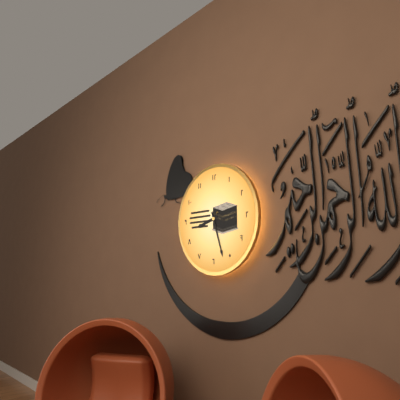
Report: 8 h 27 min
